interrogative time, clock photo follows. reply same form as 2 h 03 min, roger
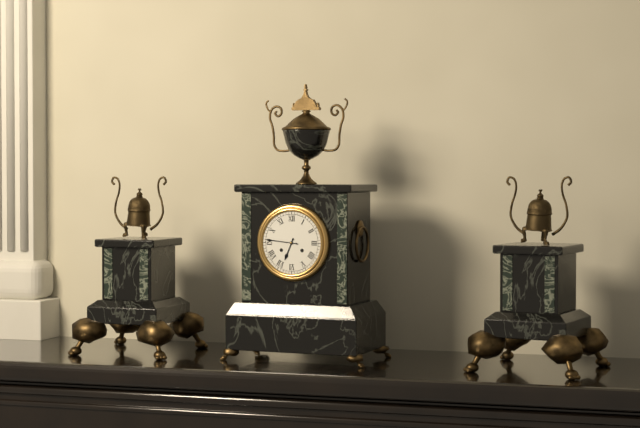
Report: 6 h 46 min
